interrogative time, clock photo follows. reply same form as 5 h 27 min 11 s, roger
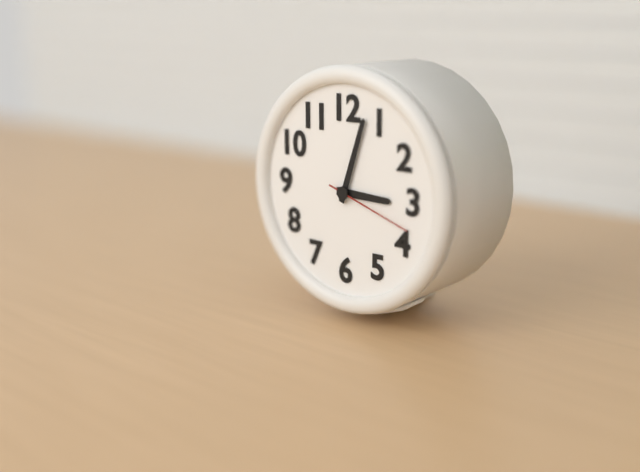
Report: 3 h 03 min 18 s
